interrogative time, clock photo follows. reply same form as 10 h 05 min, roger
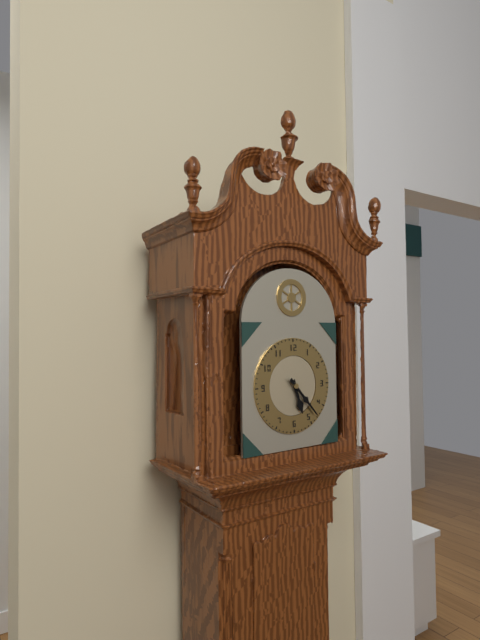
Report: 5 h 23 min
